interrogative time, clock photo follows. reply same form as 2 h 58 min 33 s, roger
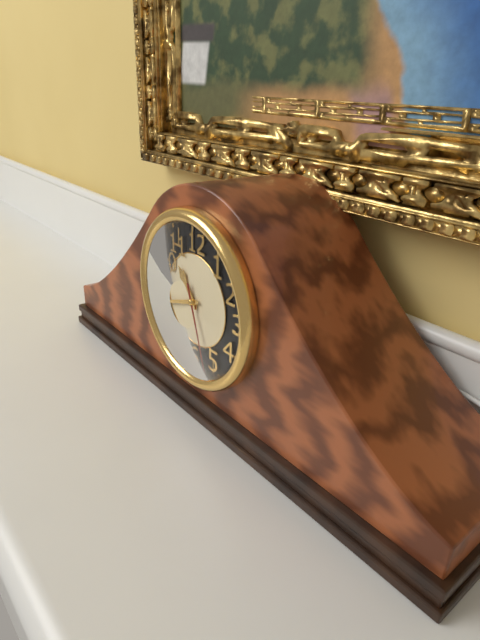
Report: 10 h 42 min 27 s
